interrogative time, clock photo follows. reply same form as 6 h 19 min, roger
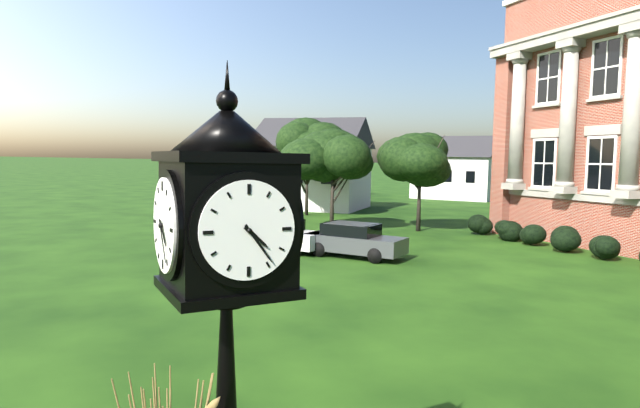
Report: 4 h 24 min
